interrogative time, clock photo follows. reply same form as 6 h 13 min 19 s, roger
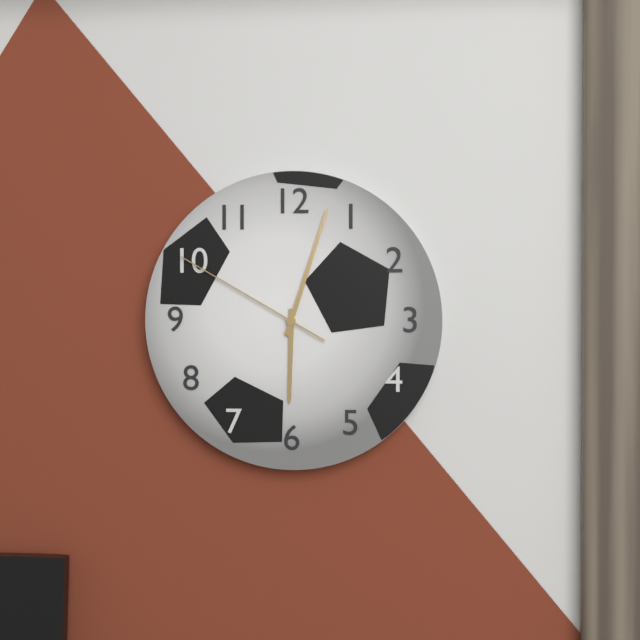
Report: 6 h 03 min 50 s
